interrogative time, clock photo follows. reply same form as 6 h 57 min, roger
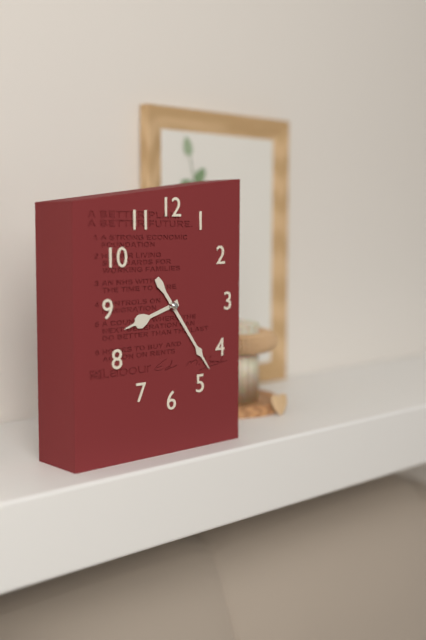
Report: 8 h 24 min
